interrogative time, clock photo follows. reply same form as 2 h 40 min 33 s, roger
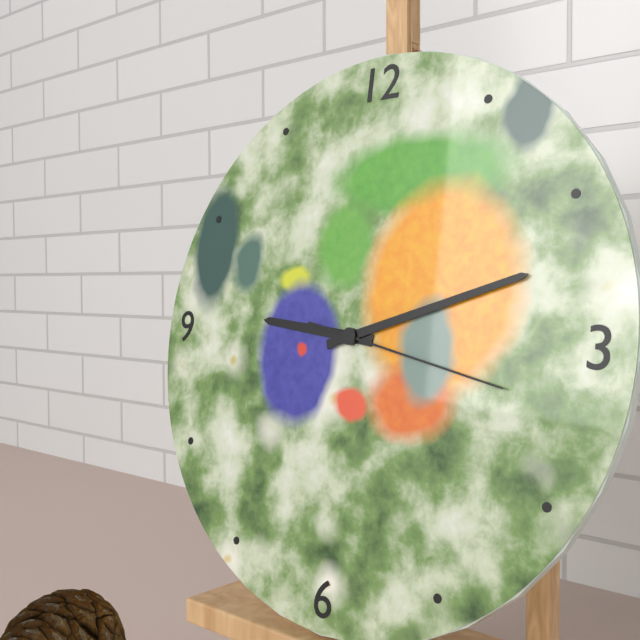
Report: 9 h 12 min 17 s
